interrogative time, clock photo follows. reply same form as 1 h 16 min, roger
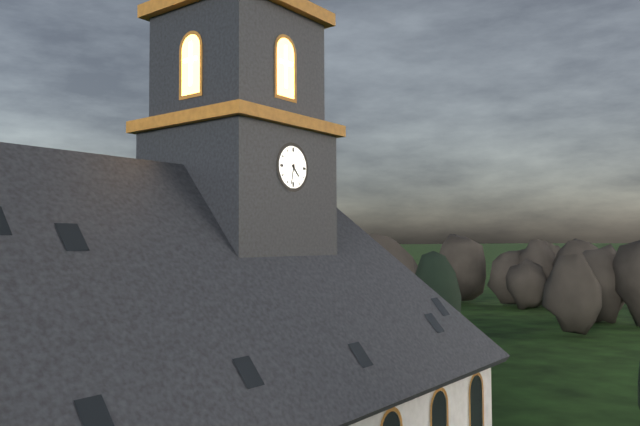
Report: 4 h 32 min
